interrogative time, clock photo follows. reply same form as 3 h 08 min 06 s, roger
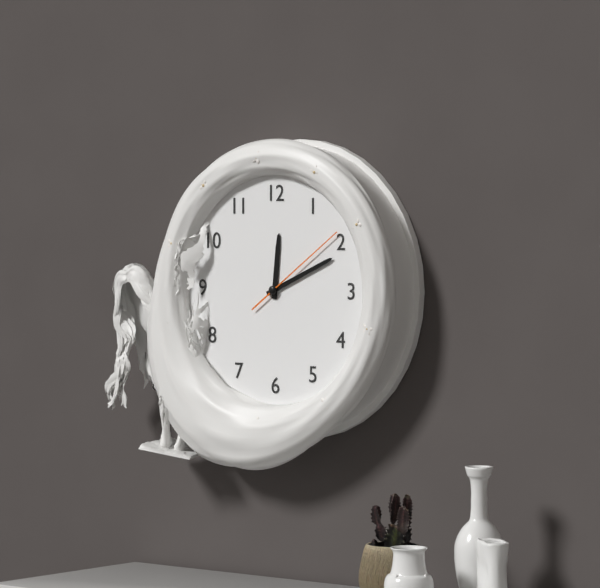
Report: 12 h 11 min 09 s
